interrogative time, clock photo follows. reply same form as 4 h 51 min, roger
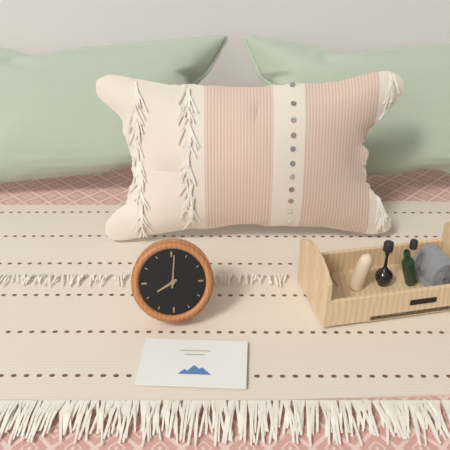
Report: 8 h 01 min
